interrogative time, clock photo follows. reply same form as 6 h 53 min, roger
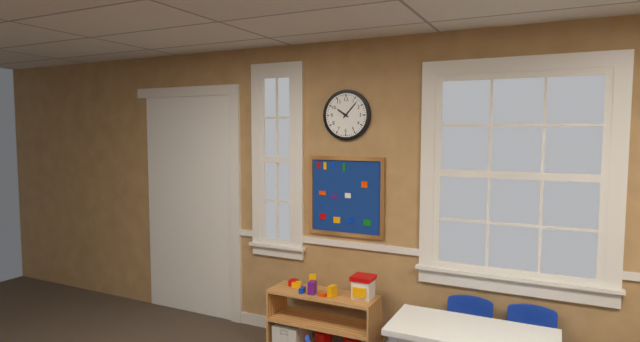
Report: 10 h 07 min
